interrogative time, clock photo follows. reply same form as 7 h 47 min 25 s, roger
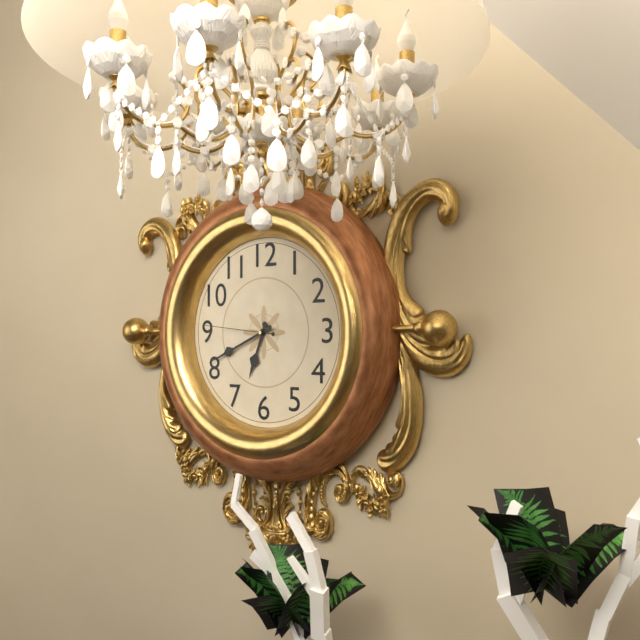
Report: 6 h 41 min 46 s
